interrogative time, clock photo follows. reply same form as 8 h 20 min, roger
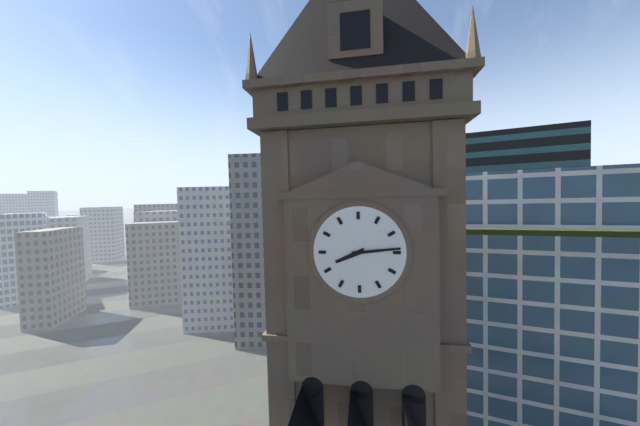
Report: 8 h 14 min
